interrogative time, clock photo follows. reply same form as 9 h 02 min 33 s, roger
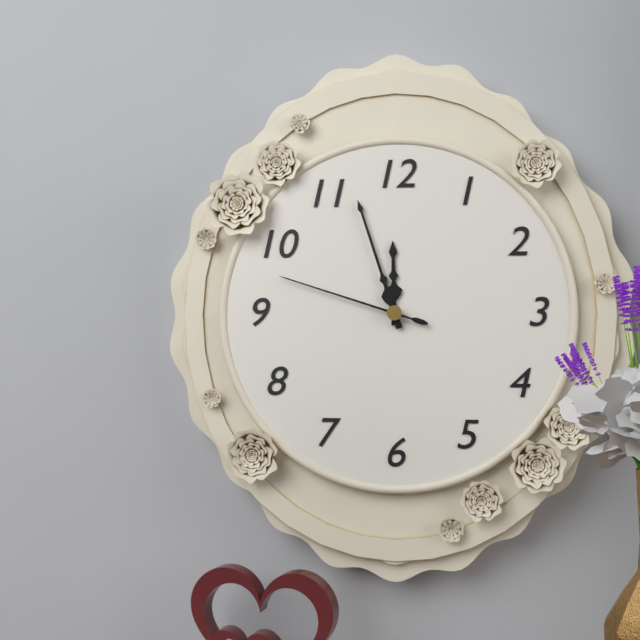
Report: 11 h 57 min 48 s
